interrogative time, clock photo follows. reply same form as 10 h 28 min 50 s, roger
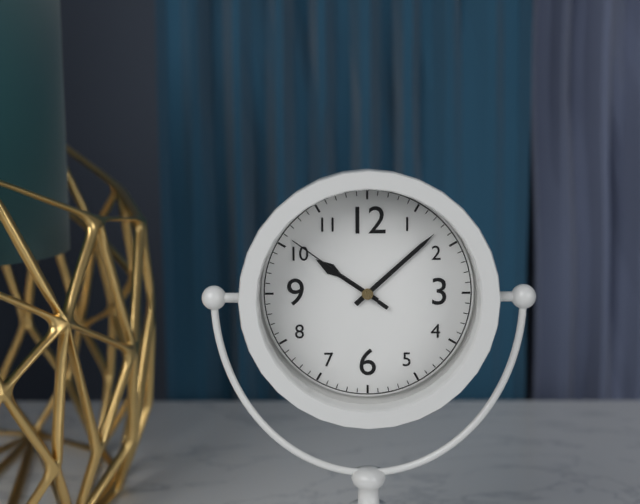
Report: 10 h 08 min 51 s
